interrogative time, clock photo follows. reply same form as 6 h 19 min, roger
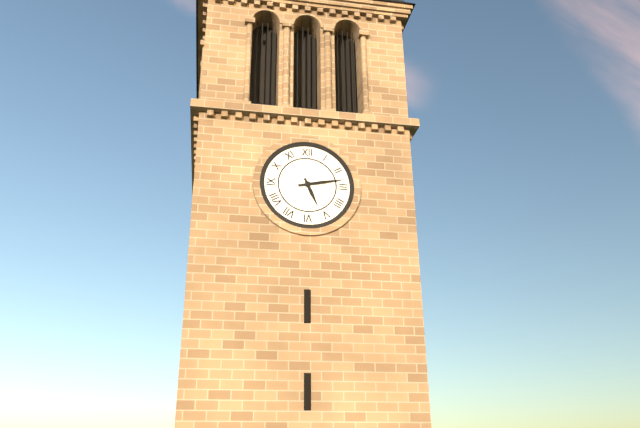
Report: 5 h 13 min
